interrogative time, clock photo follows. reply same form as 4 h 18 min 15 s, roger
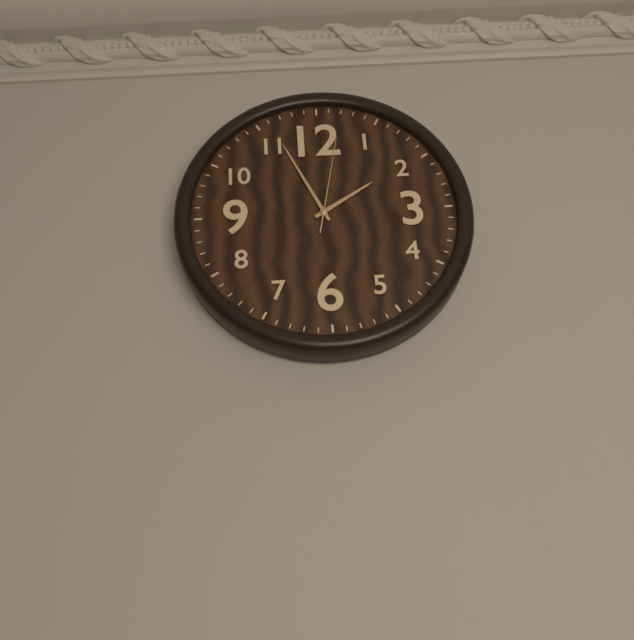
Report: 1 h 56 min 02 s
